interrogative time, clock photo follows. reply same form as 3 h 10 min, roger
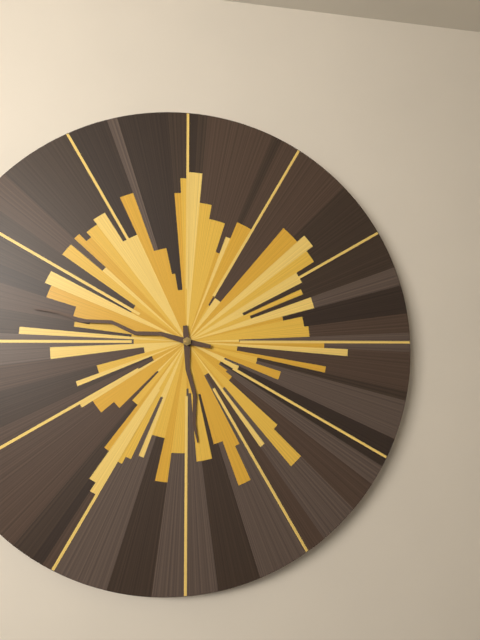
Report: 5 h 47 min
